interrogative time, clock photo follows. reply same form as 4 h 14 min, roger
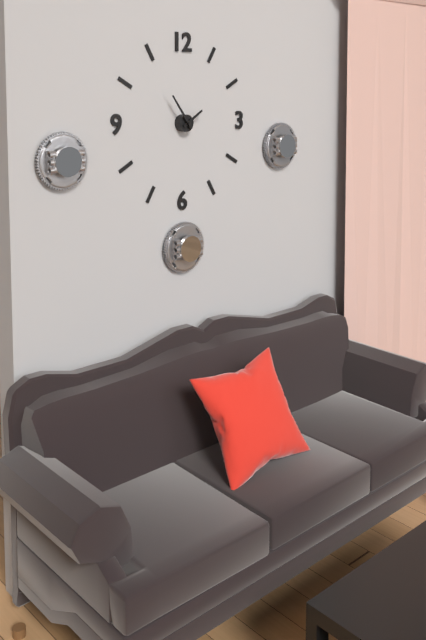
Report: 1 h 54 min
